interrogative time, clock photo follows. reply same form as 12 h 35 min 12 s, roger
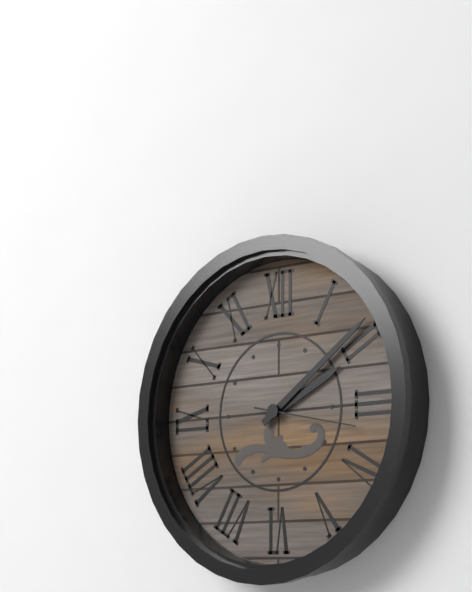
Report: 2 h 09 min 17 s
